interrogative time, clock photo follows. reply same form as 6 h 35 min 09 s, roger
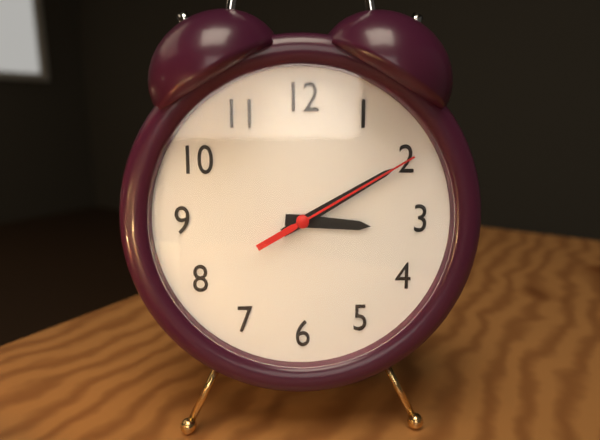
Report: 3 h 10 min 10 s
